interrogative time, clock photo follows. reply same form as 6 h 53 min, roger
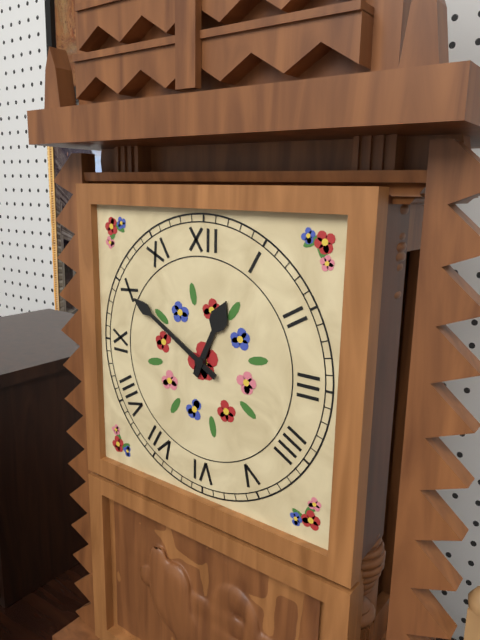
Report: 12 h 50 min
